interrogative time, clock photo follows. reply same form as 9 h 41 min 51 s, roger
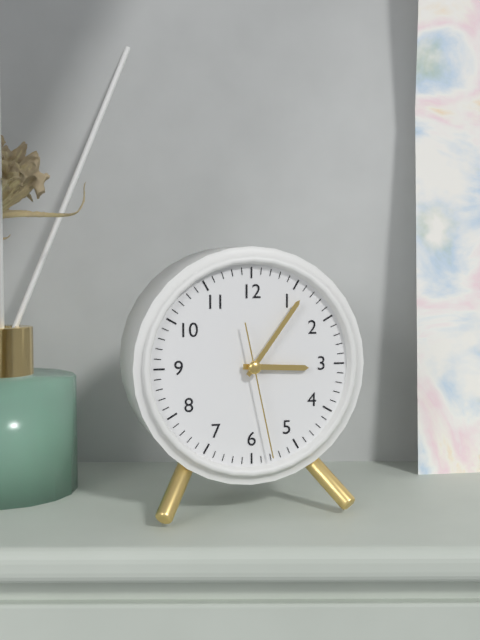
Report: 3 h 06 min 28 s
